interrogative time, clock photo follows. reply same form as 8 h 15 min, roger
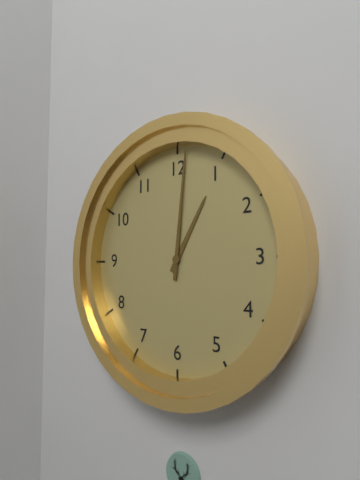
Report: 1 h 01 min
